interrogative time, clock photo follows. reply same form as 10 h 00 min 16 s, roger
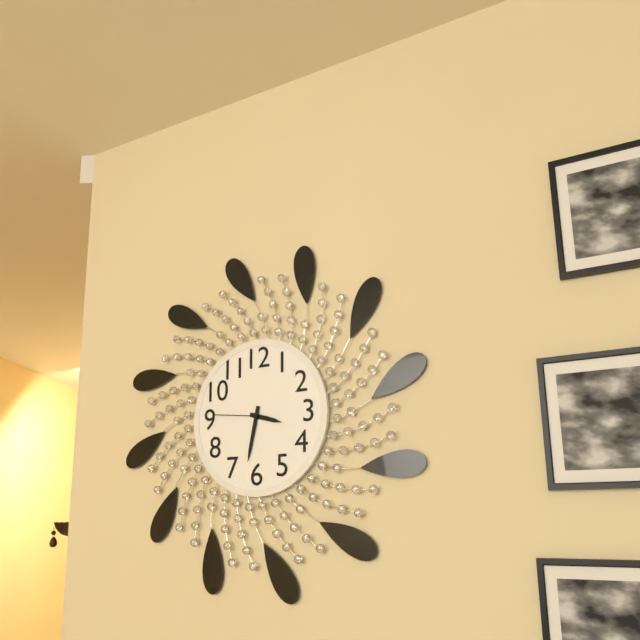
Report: 3 h 32 min 46 s
